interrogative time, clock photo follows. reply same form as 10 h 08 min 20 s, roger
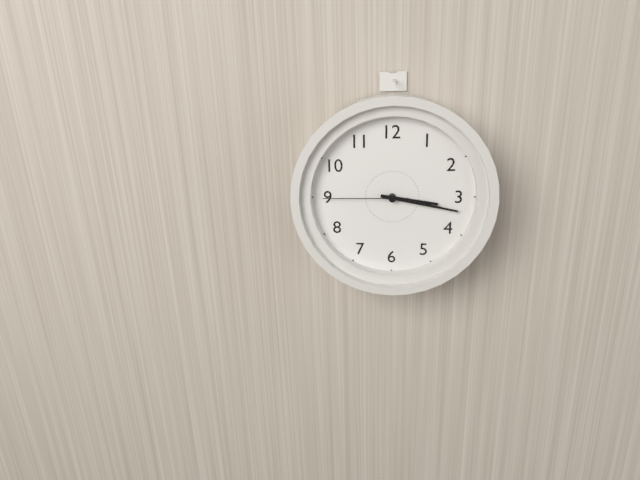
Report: 3 h 17 min 45 s
